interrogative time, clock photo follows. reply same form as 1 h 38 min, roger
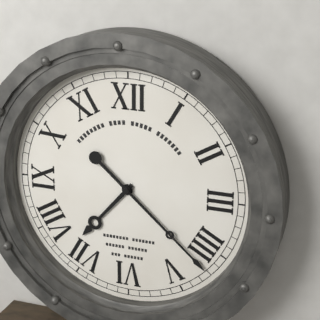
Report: 7 h 22 min
